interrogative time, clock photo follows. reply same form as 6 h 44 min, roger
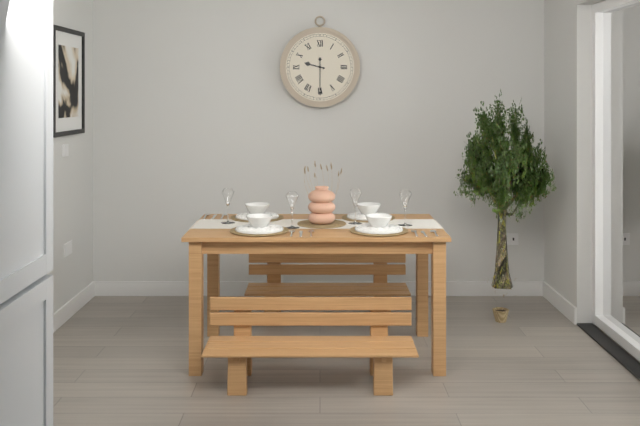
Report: 9 h 30 min
